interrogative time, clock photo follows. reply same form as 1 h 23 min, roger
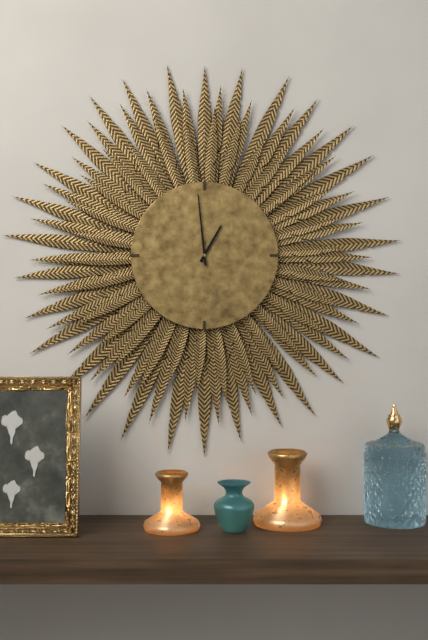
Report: 12 h 59 min
